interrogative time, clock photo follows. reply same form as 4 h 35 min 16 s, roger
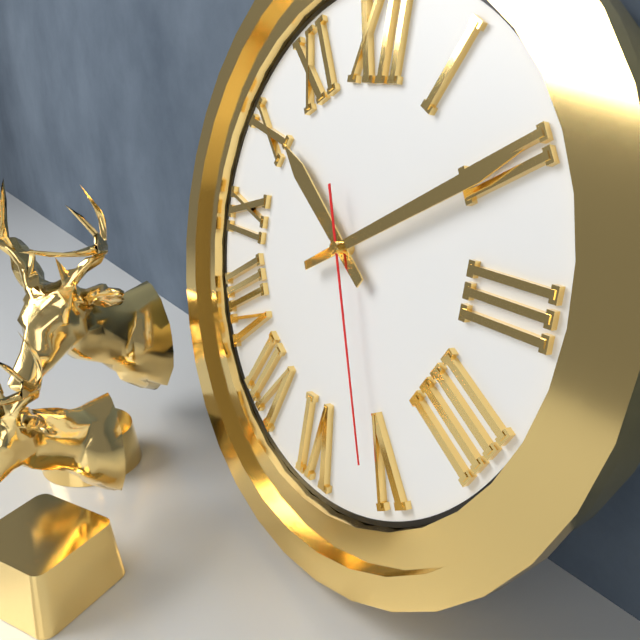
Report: 10 h 10 min 26 s
